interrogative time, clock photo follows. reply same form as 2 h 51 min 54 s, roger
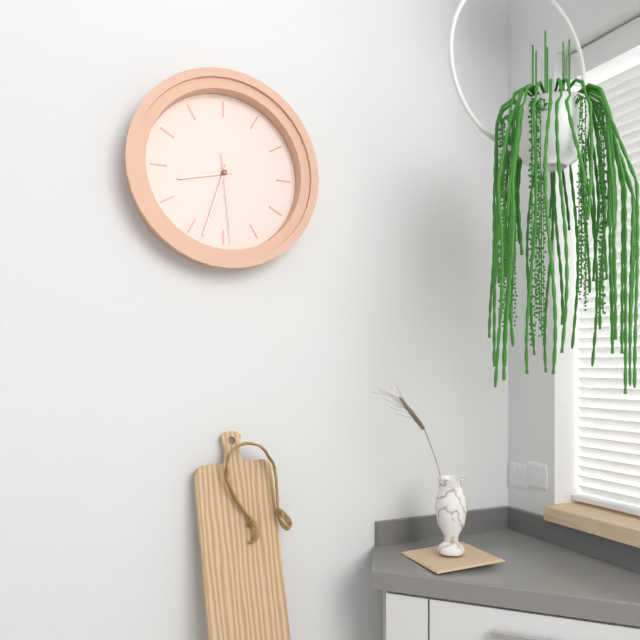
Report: 8 h 33 min 29 s
